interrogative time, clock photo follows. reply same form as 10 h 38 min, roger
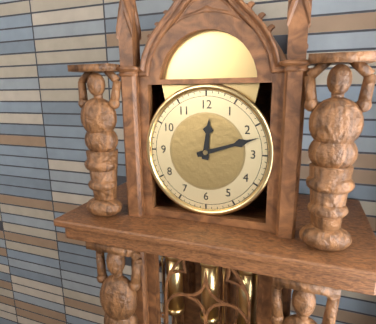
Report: 12 h 12 min
